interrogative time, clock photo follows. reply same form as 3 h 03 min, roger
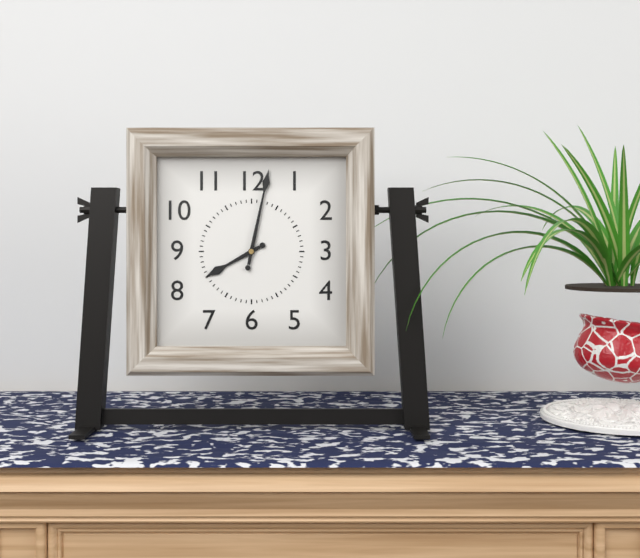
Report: 8 h 02 min
